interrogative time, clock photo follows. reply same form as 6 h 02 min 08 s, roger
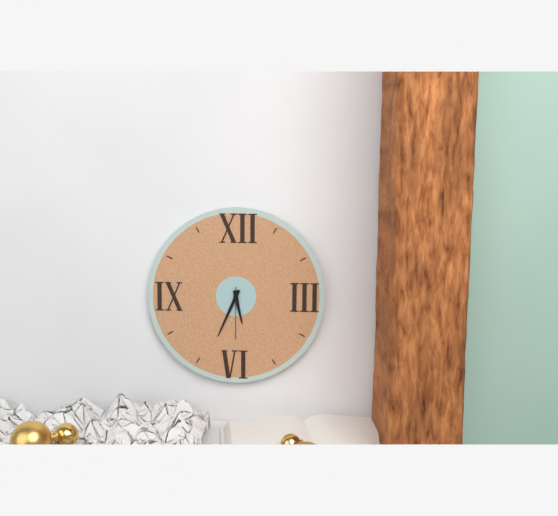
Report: 5 h 34 min 30 s
